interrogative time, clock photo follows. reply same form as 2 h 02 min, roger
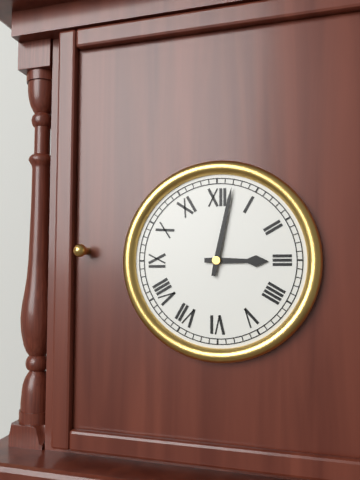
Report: 3 h 02 min
